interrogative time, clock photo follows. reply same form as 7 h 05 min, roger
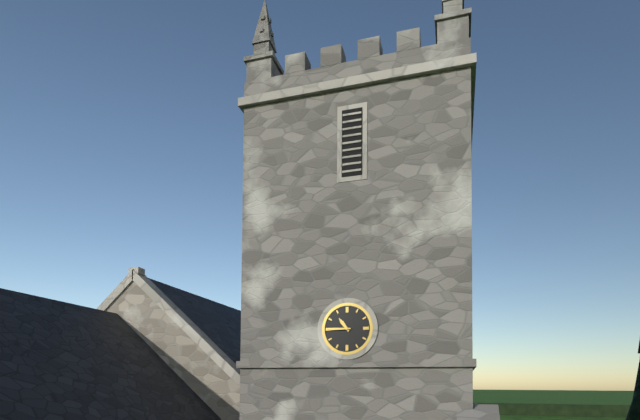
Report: 10 h 45 min
